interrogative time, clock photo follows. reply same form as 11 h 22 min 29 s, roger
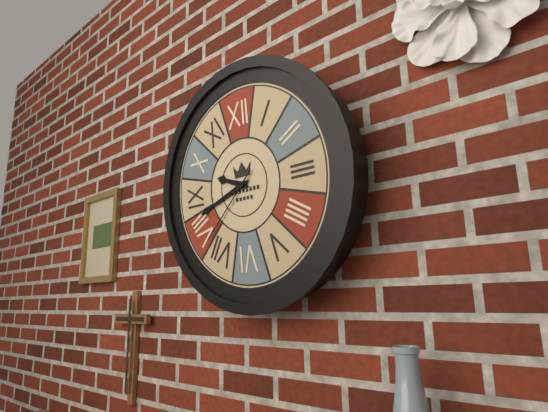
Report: 9 h 42 min 38 s
